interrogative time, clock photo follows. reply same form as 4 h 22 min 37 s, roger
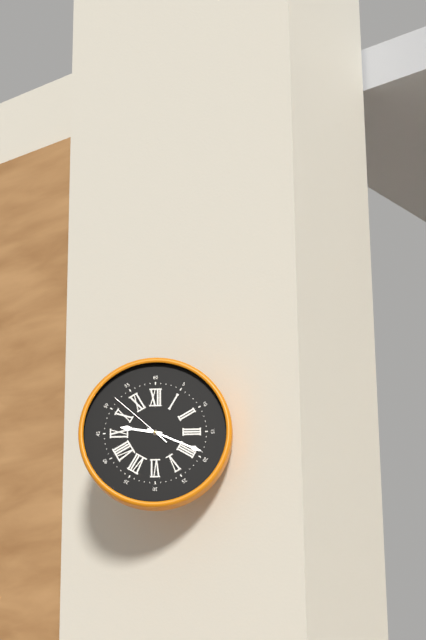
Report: 9 h 19 min 52 s
